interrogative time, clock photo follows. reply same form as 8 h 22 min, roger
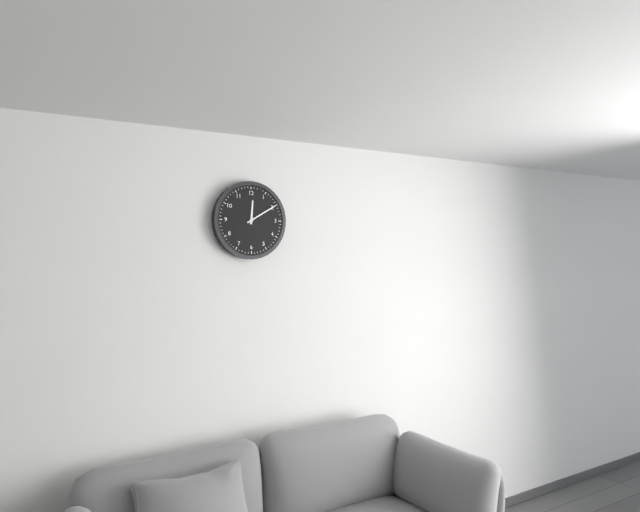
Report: 12 h 10 min
